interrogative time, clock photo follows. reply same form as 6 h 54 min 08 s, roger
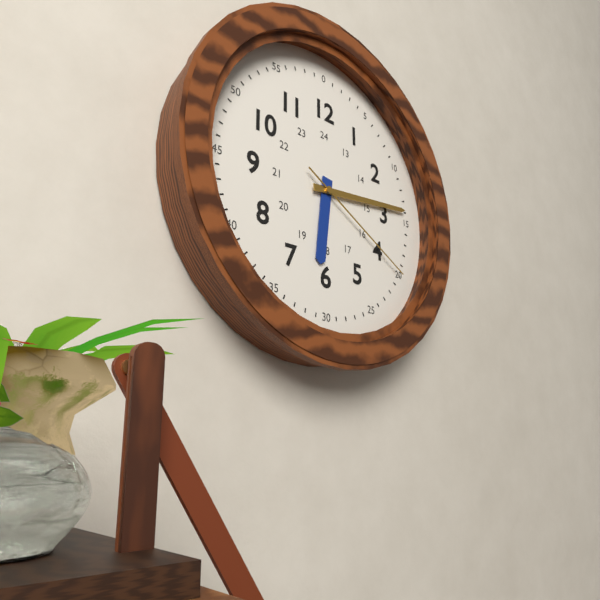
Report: 6 h 14 min 20 s
